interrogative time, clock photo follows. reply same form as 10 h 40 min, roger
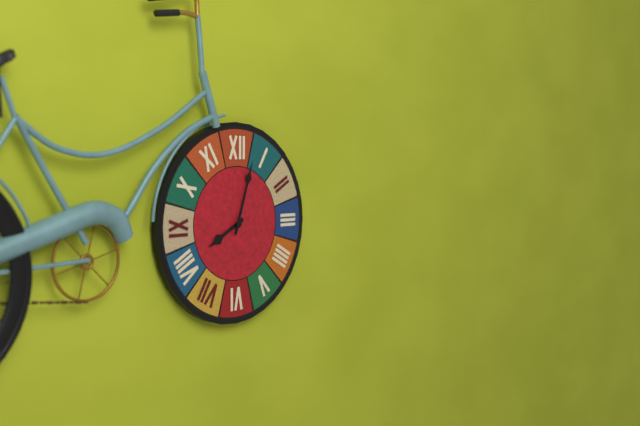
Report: 8 h 03 min
